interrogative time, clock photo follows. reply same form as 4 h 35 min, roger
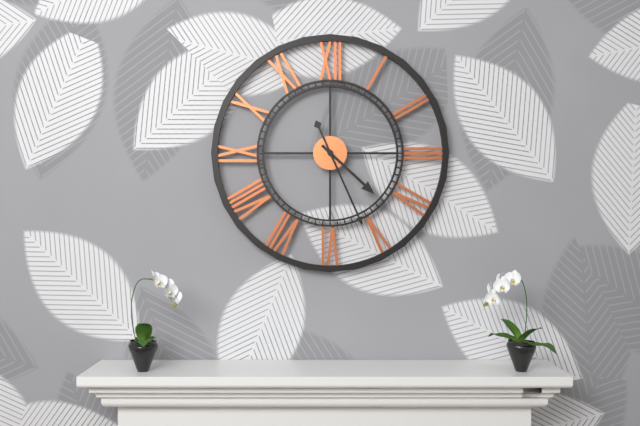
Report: 4 h 26 min
